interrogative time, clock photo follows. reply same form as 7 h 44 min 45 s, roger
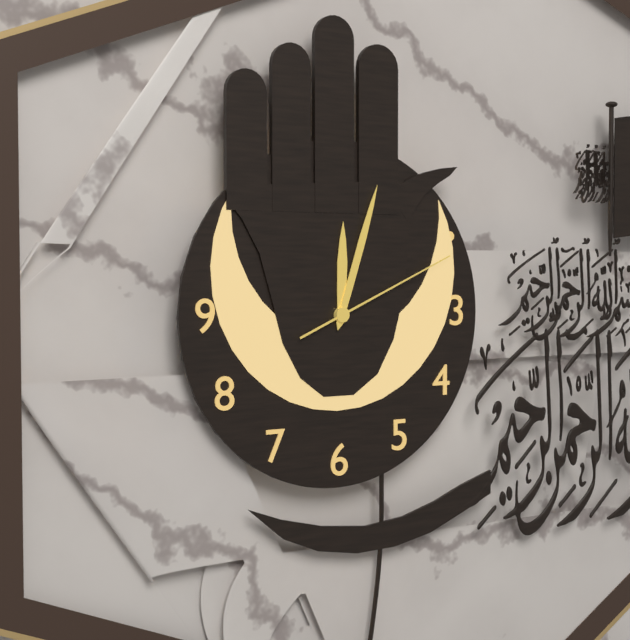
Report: 12 h 03 min 11 s
